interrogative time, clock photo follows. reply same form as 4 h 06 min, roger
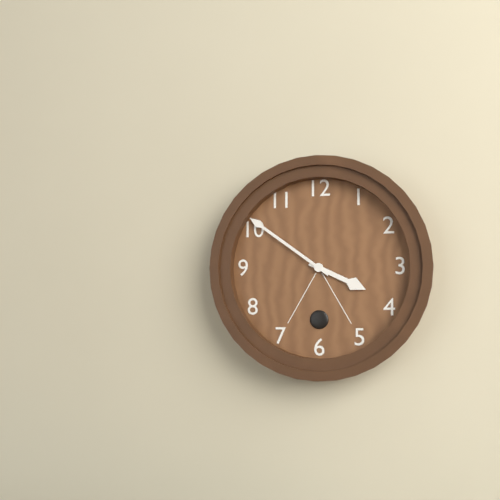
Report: 3 h 51 min
